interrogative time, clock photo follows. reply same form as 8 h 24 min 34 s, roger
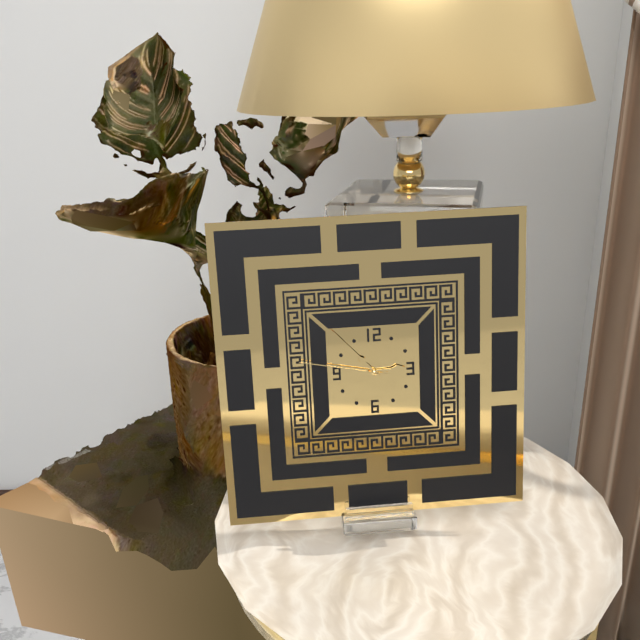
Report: 2 h 53 min 47 s
